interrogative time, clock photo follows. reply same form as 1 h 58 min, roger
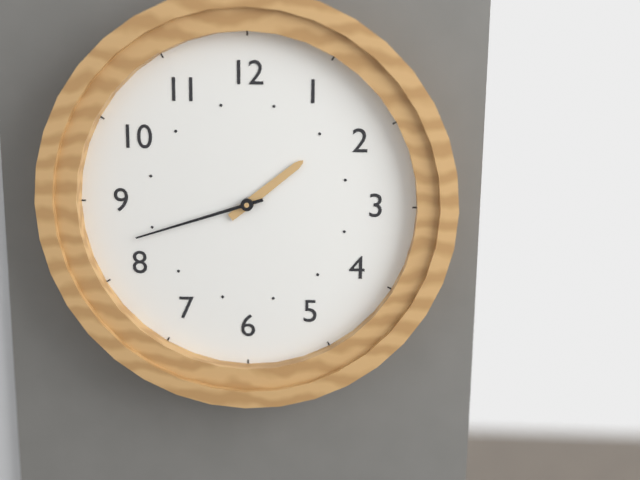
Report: 1 h 42 min
